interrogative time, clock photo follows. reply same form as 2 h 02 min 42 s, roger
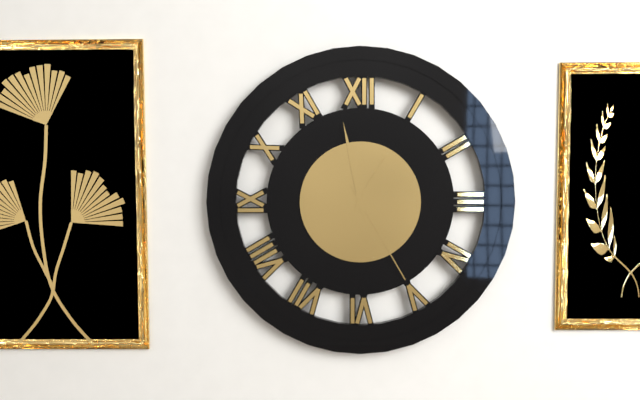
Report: 12 h 58 min 25 s
